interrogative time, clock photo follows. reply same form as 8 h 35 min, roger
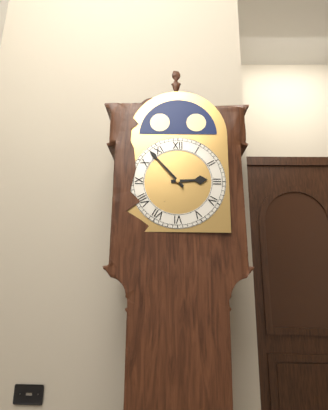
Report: 2 h 53 min
